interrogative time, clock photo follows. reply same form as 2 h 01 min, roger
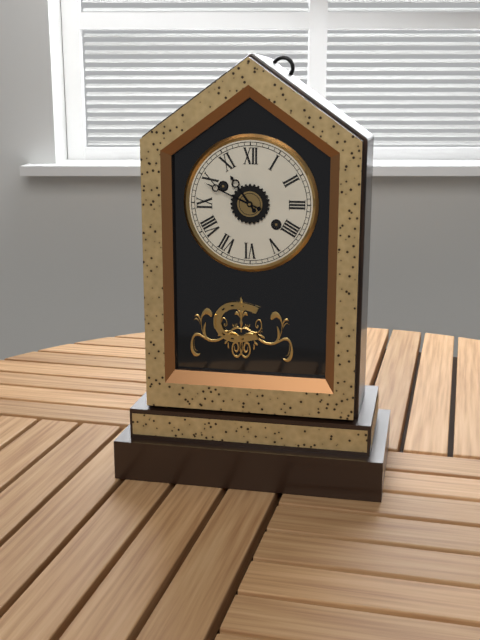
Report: 10 h 49 min
